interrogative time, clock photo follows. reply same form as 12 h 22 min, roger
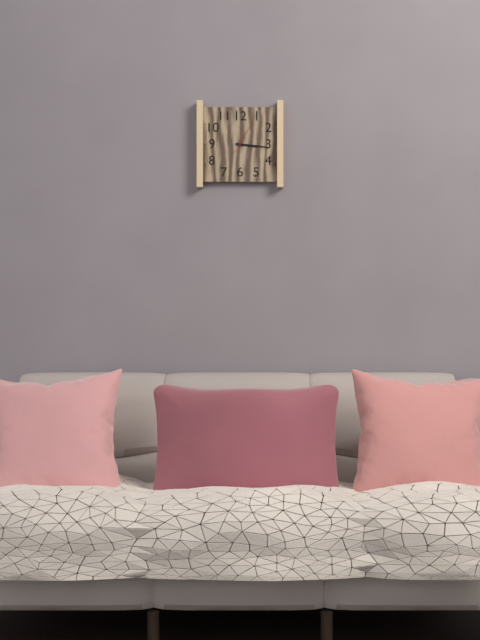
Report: 3 h 16 min
